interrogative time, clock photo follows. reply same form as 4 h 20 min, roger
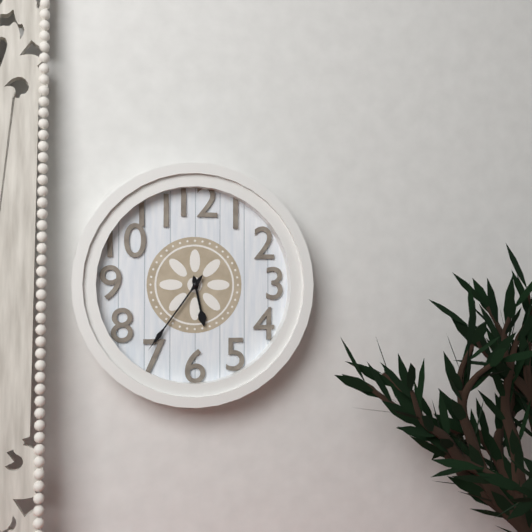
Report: 5 h 36 min
